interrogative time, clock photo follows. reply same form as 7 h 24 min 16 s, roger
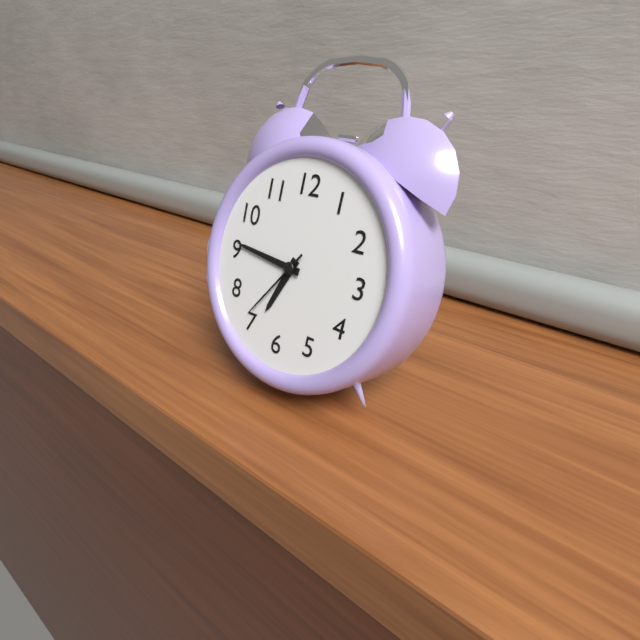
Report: 6 h 46 min 36 s
